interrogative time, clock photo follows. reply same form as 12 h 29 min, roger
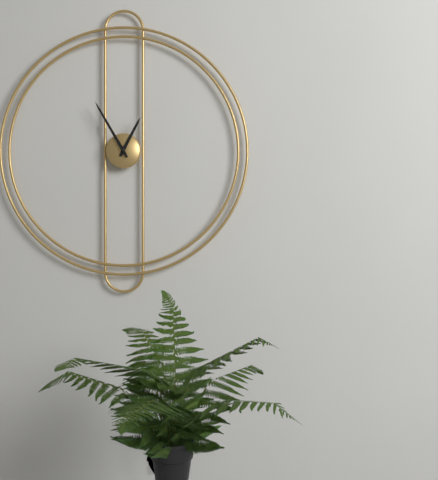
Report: 12 h 55 min
